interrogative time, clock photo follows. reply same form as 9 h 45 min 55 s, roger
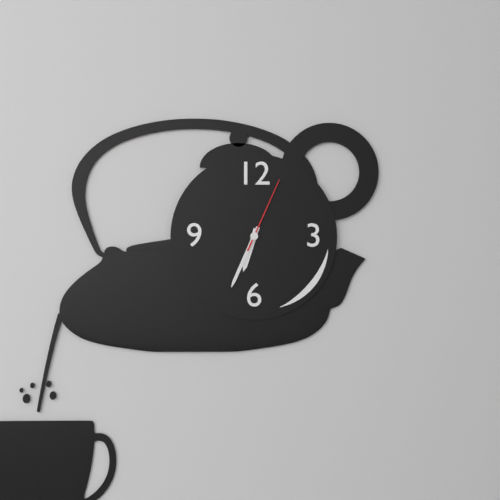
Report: 6 h 34 min 04 s
